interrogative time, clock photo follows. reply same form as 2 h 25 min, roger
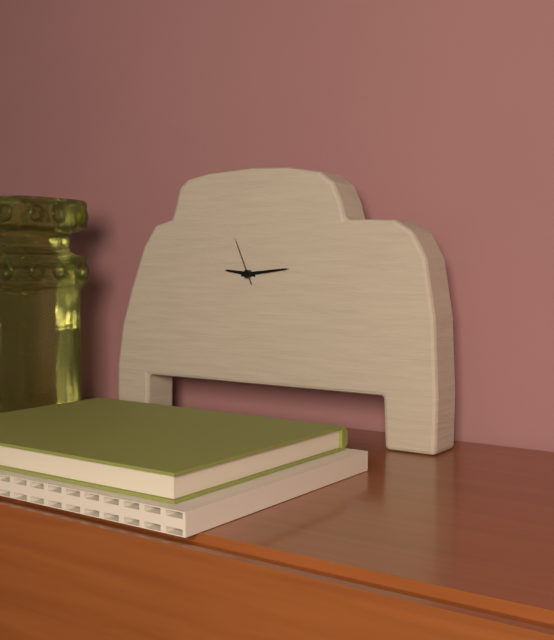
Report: 9 h 14 min
